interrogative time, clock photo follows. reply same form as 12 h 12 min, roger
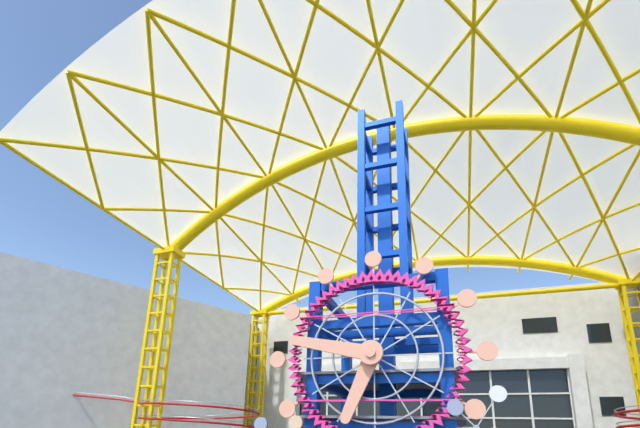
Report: 6 h 47 min
